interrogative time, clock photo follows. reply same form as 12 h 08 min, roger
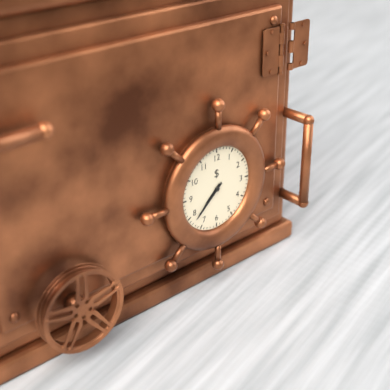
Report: 7 h 38 min
